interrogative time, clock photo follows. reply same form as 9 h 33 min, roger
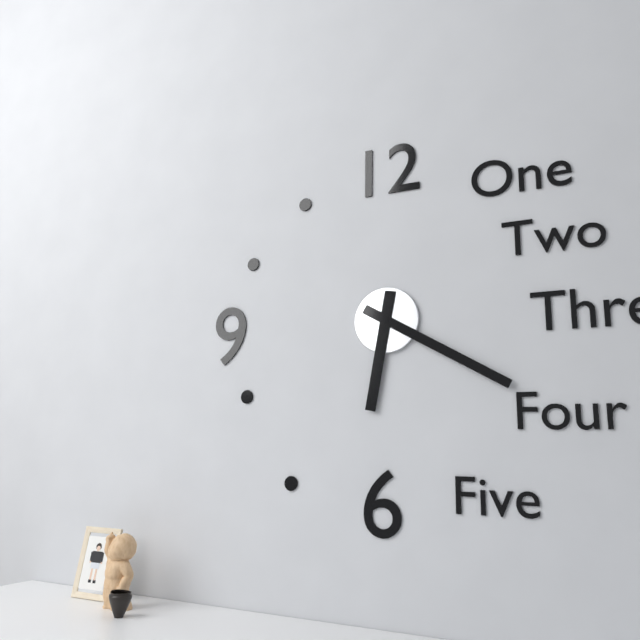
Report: 6 h 20 min
